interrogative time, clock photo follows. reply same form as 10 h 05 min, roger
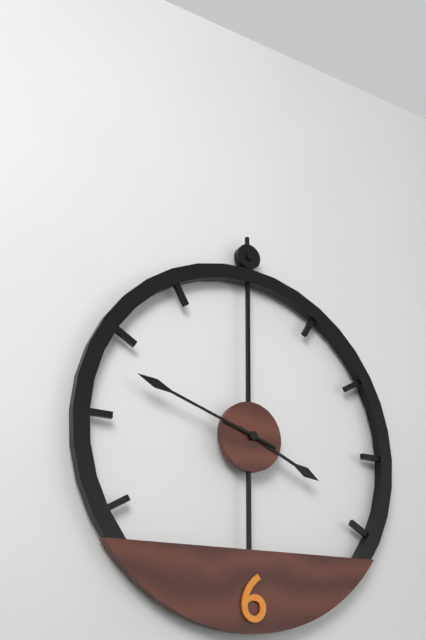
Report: 3 h 48 min
